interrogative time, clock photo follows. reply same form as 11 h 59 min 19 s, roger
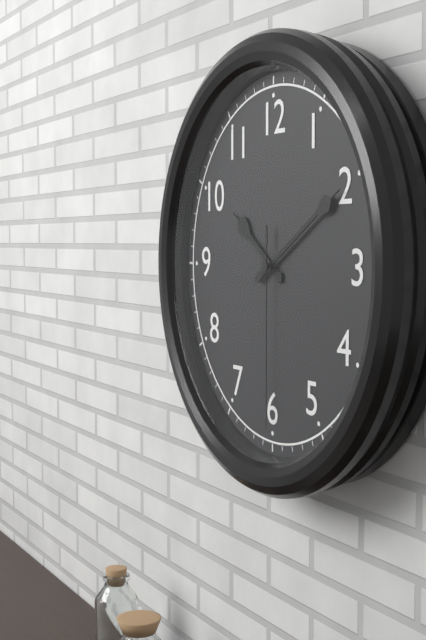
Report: 10 h 10 min 30 s
